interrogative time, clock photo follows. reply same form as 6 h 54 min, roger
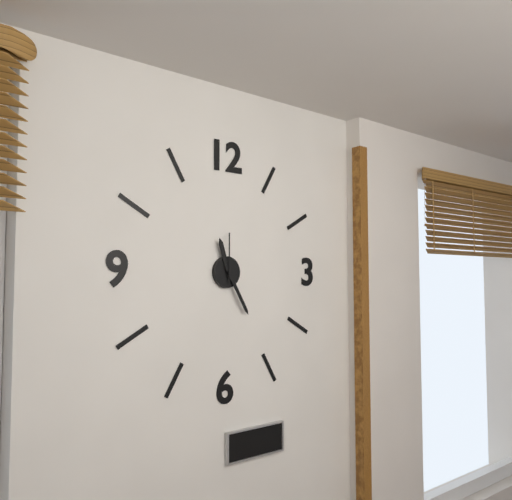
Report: 11 h 25 min
